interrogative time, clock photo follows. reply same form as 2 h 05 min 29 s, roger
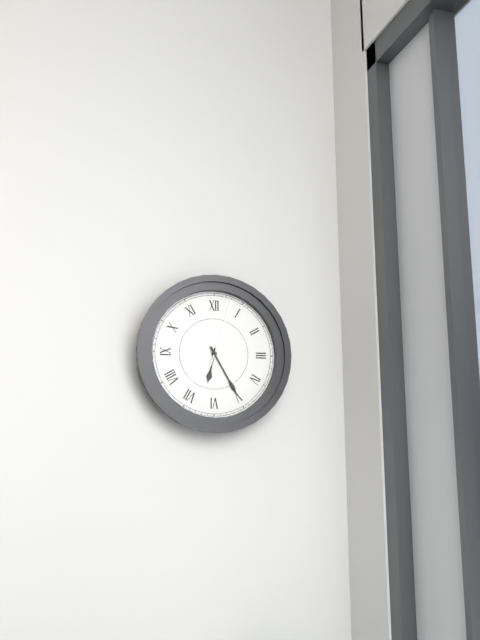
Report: 6 h 25 min 03 s
